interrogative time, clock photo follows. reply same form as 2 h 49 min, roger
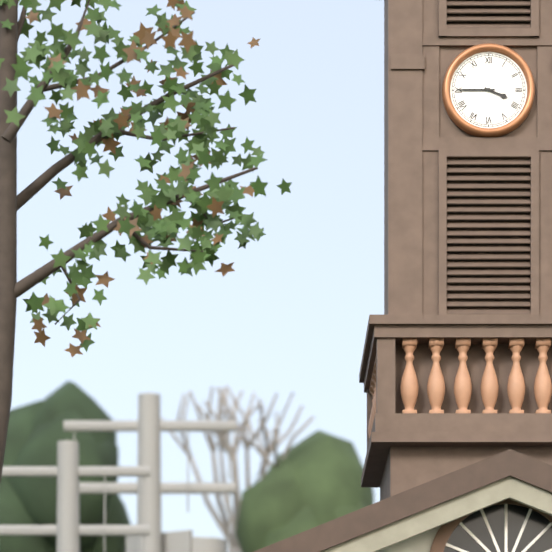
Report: 3 h 45 min
